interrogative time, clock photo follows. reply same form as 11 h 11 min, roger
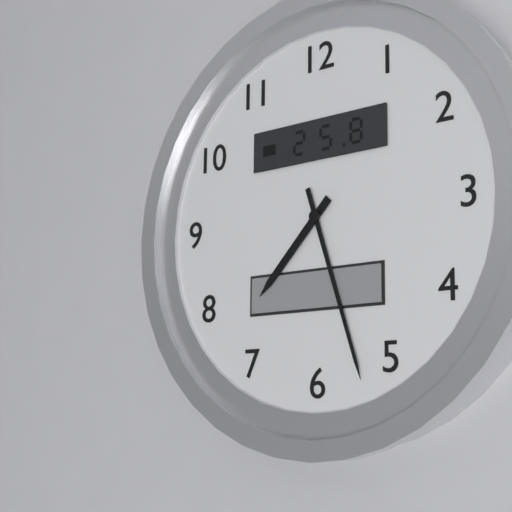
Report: 7 h 27 min
